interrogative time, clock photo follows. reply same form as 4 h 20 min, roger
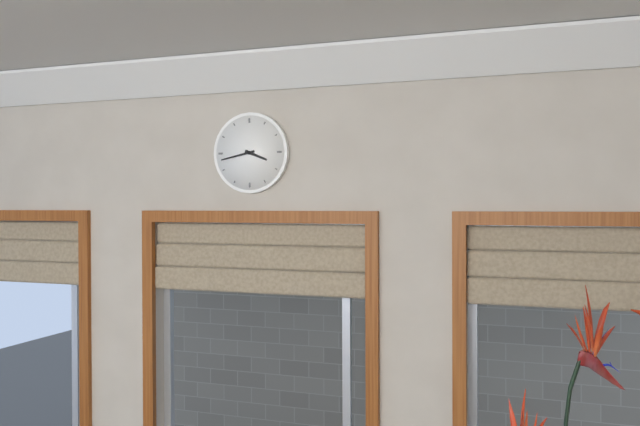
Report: 3 h 43 min
